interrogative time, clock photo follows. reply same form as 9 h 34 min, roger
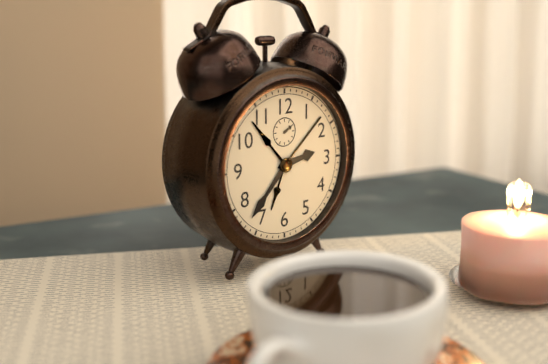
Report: 2 h 37 min
